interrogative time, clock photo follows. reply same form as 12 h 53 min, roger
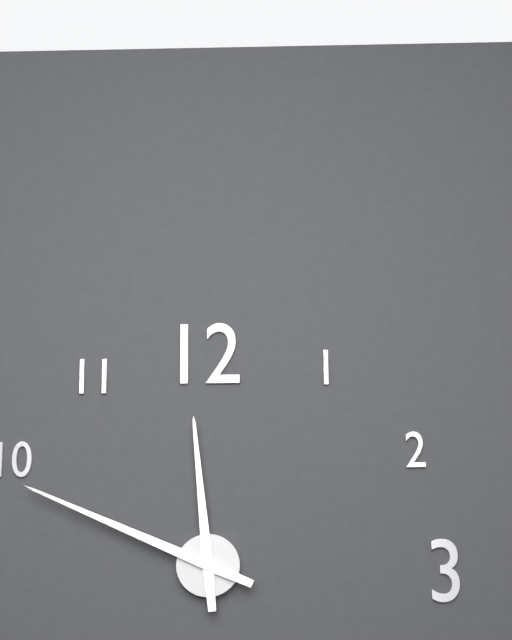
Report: 11 h 49 min
